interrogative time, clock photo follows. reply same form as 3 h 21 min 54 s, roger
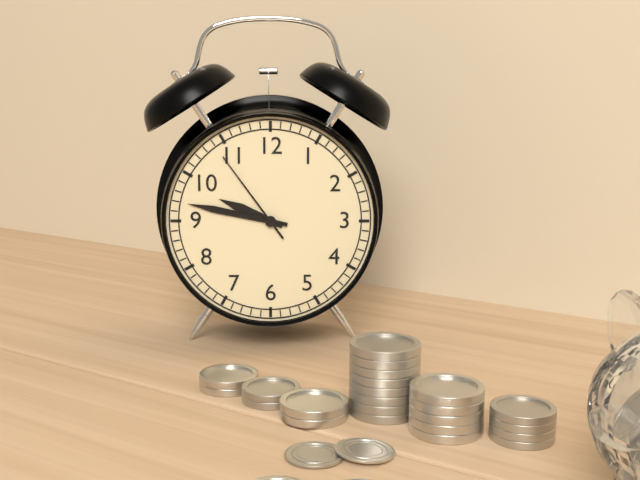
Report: 9 h 47 min 54 s
